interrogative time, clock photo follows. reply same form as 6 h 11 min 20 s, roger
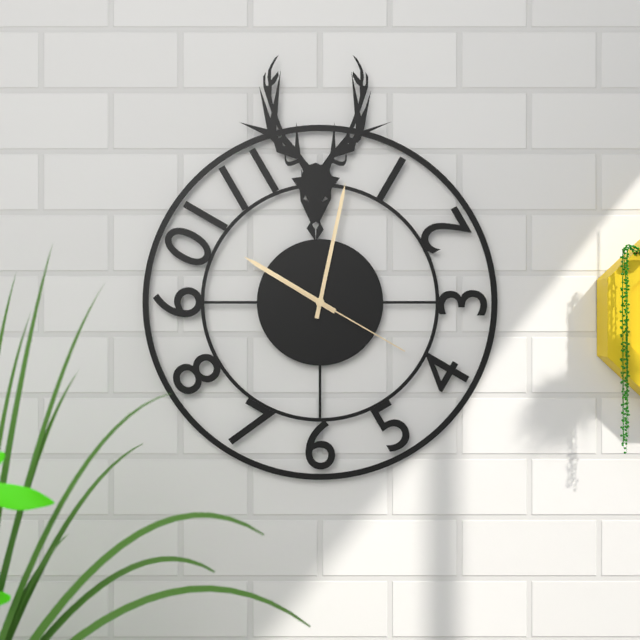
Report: 10 h 02 min 20 s
